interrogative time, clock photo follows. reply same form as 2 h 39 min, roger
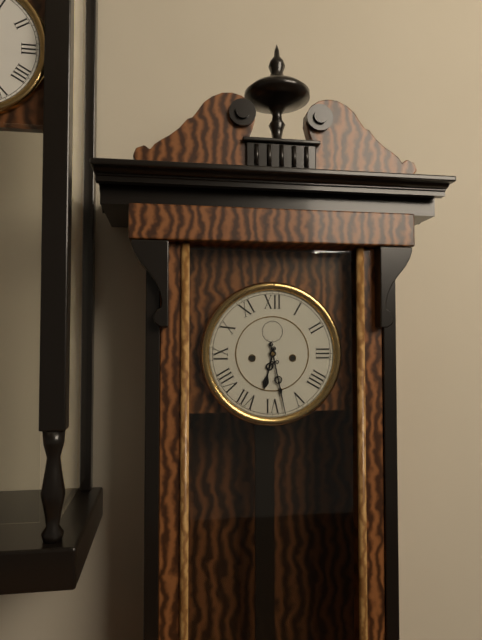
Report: 6 h 28 min
